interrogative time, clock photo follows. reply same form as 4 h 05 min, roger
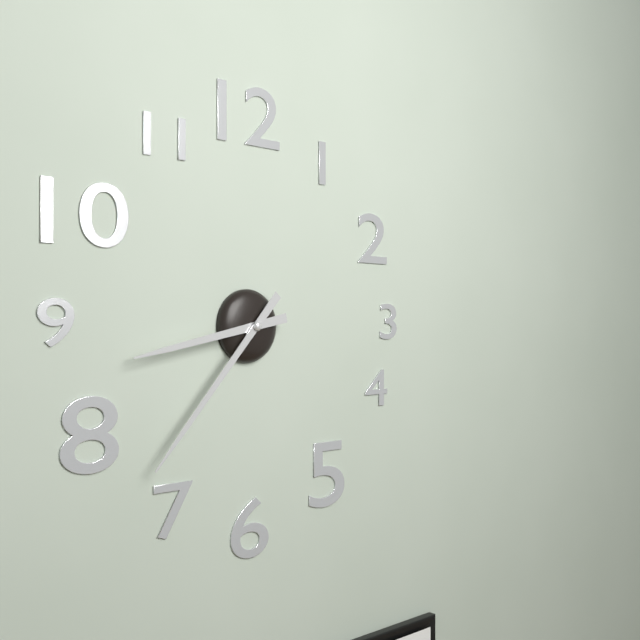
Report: 8 h 37 min
